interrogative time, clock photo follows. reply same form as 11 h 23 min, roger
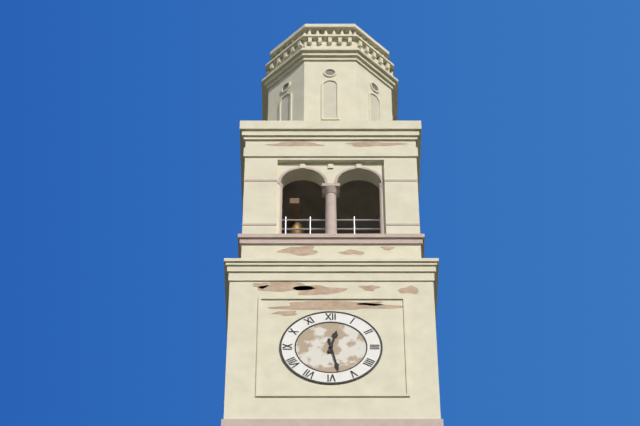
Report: 12 h 28 min
